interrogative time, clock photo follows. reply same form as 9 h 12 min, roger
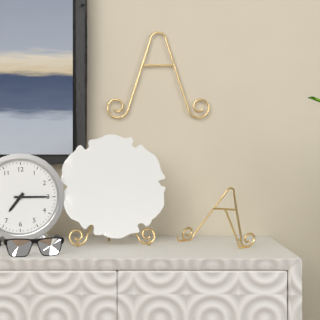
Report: 7 h 15 min
